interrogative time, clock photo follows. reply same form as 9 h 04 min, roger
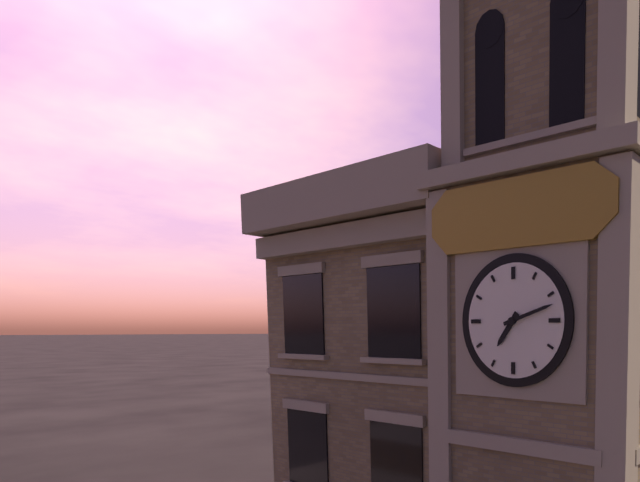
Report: 7 h 12 min
